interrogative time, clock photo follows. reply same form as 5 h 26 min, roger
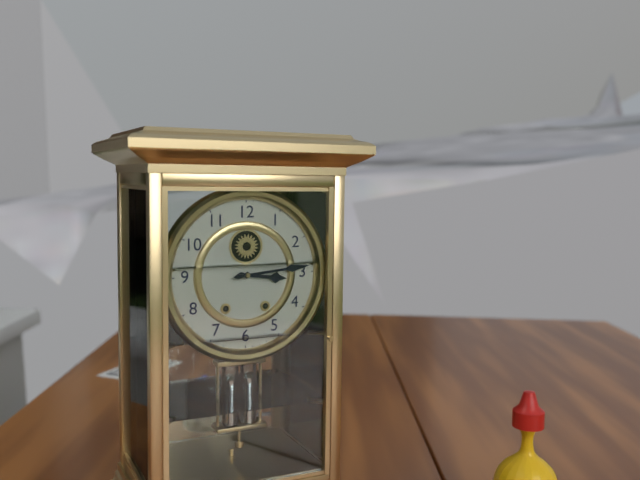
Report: 3 h 14 min
